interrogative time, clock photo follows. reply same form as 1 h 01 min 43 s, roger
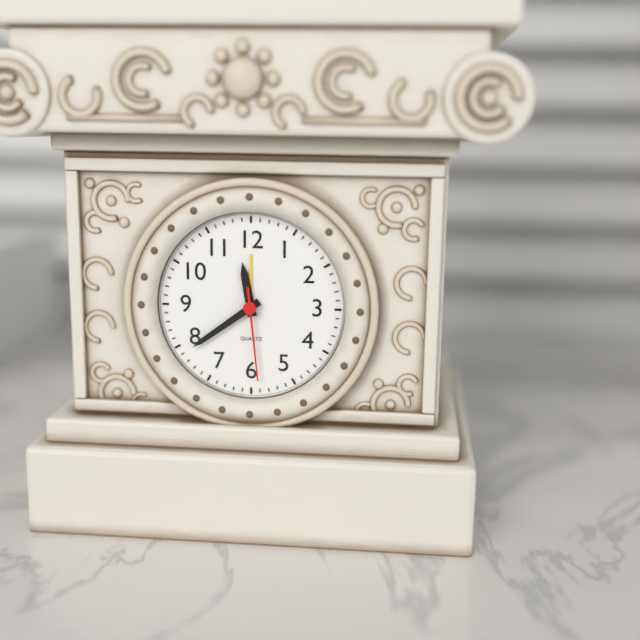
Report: 11 h 39 min 29 s
